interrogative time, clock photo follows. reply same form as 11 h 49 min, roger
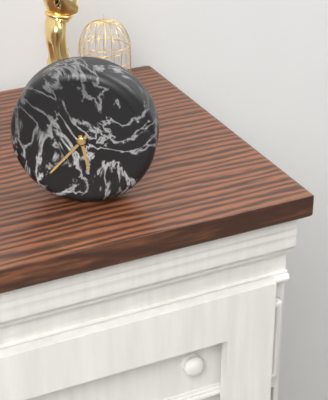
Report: 5 h 37 min
